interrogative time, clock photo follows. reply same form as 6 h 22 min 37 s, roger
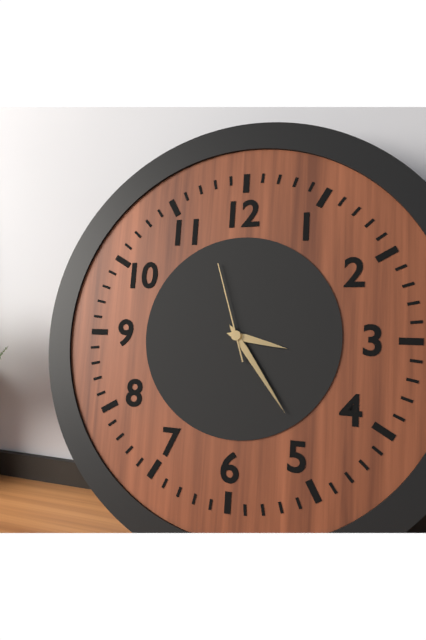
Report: 3 h 24 min 57 s
